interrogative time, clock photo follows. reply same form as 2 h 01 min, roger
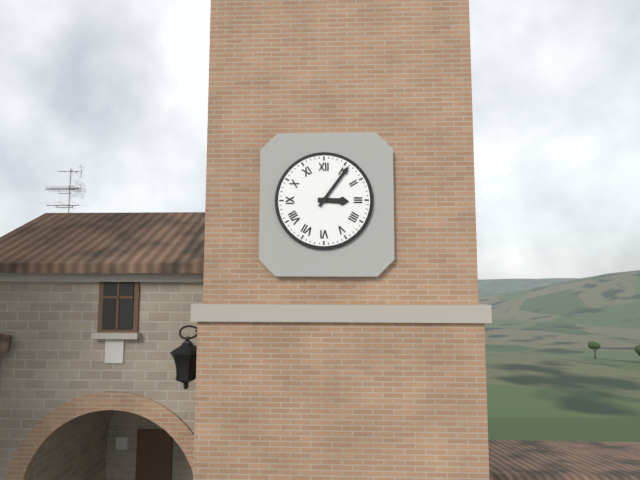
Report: 3 h 06 min
